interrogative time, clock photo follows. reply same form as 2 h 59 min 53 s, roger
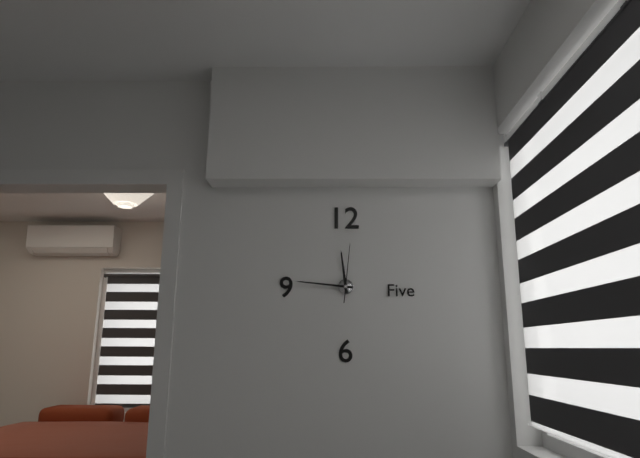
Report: 11 h 46 min 01 s
